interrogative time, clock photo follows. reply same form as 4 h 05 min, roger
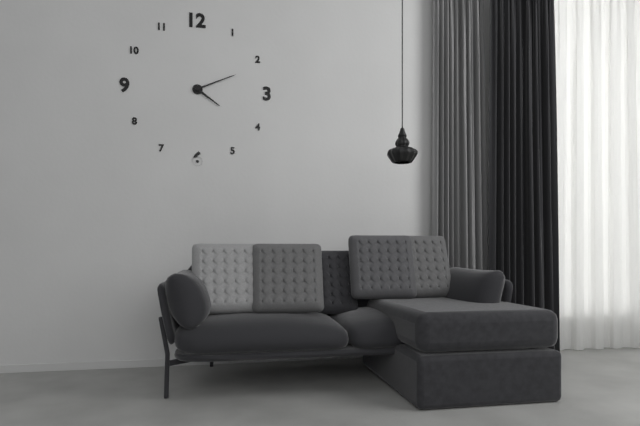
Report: 4 h 11 min
